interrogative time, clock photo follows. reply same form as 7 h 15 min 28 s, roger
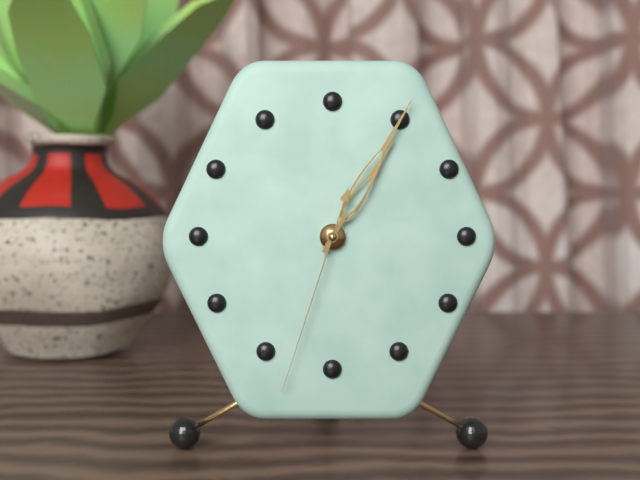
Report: 1 h 05 min 33 s
